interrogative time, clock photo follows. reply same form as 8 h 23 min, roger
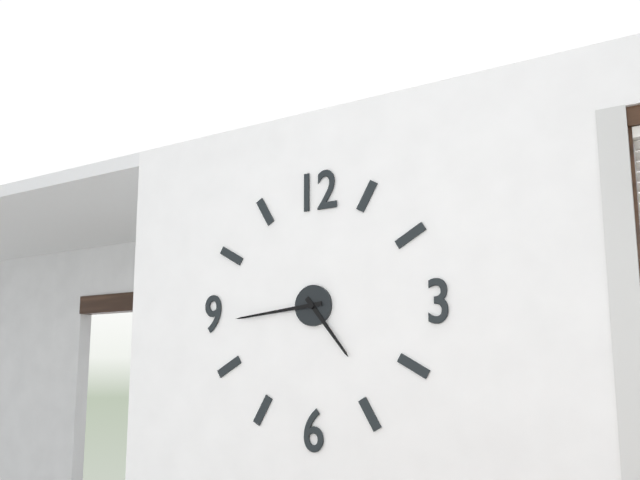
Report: 4 h 44 min
